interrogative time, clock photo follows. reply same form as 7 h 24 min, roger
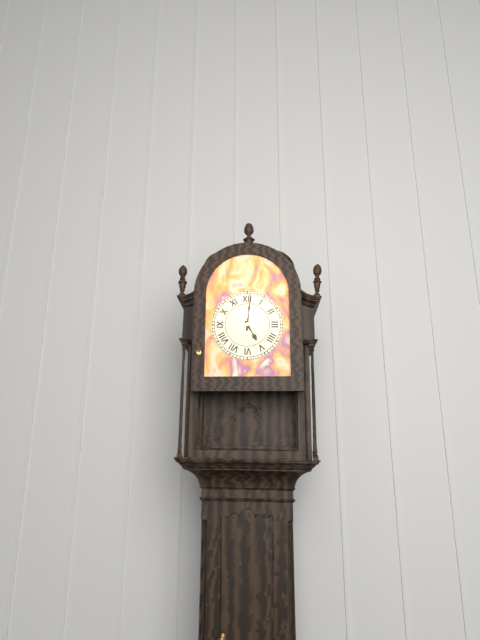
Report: 5 h 01 min
